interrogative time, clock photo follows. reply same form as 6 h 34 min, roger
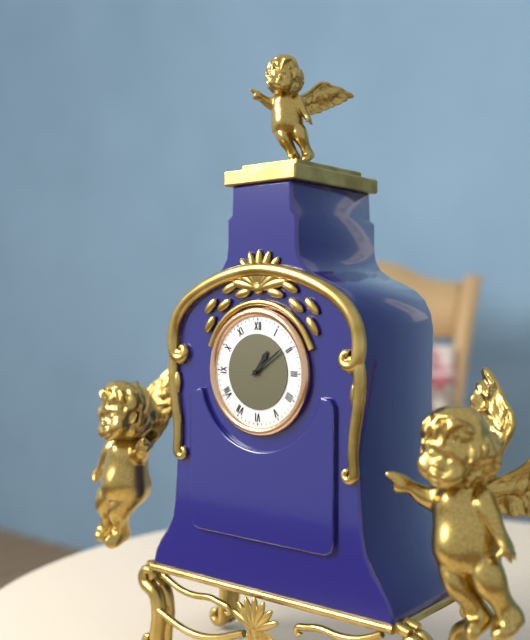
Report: 1 h 09 min
